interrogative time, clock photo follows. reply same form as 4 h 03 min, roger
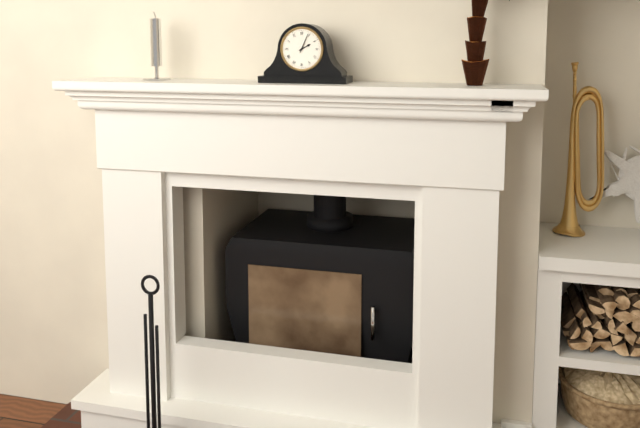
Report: 2 h 04 min
